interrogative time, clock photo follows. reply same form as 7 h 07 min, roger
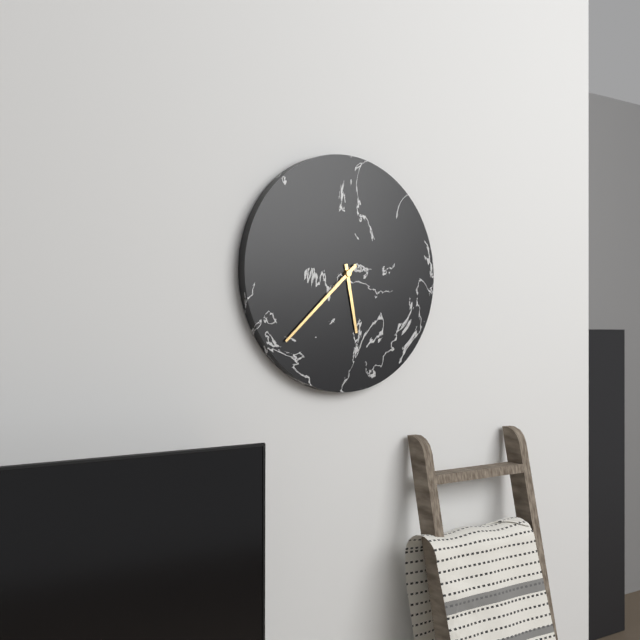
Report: 5 h 38 min
